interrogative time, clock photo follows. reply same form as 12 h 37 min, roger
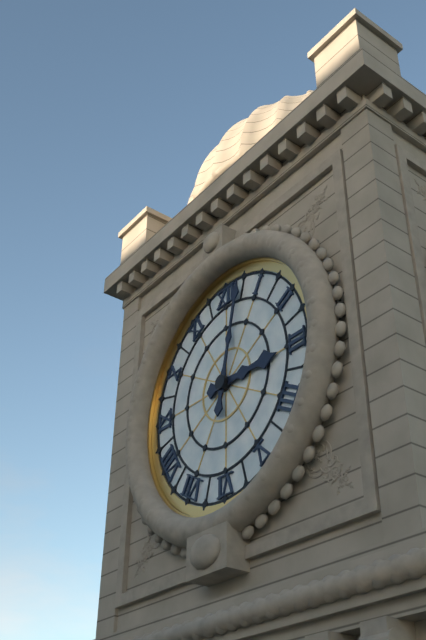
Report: 3 h 02 min
